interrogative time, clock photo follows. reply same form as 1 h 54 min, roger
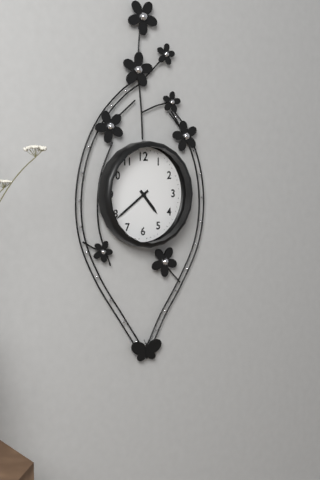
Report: 4 h 39 min
